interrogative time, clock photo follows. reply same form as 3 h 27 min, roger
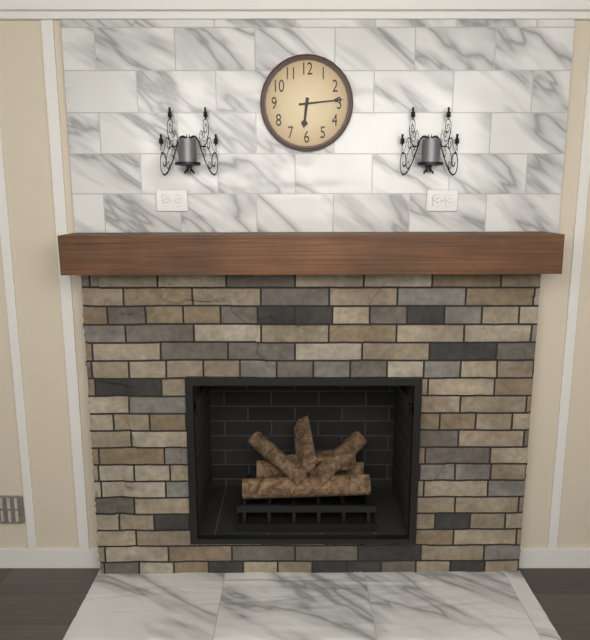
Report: 6 h 14 min
